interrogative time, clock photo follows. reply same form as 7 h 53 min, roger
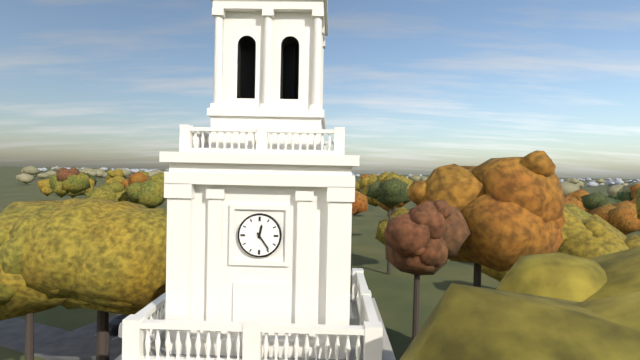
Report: 12 h 24 min
